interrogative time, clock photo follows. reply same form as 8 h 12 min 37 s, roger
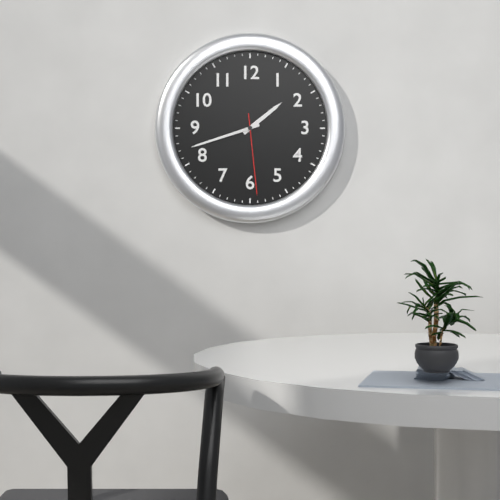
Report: 1 h 42 min 29 s
